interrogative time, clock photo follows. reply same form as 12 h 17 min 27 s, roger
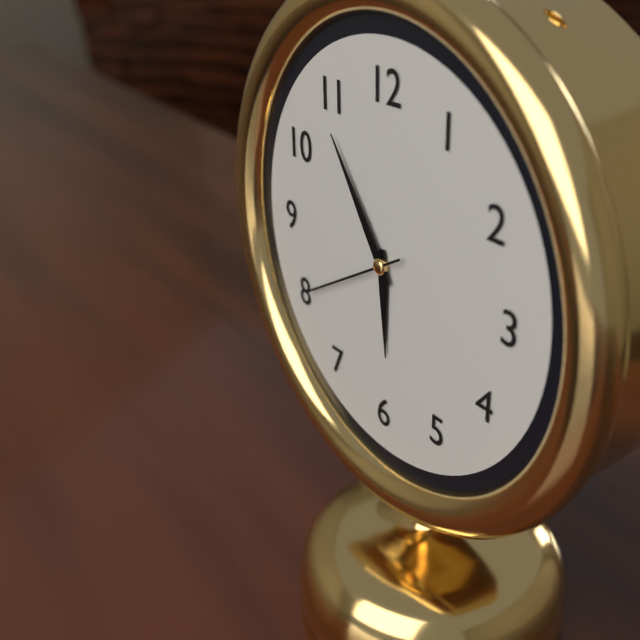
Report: 5 h 54 min 40 s
